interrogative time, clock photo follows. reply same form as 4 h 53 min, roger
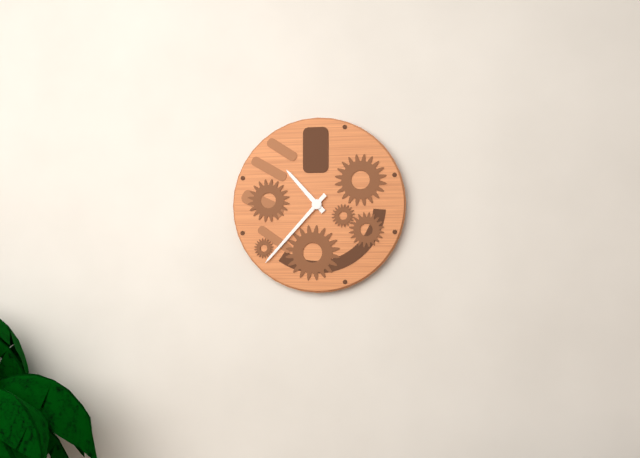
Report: 10 h 37 min
